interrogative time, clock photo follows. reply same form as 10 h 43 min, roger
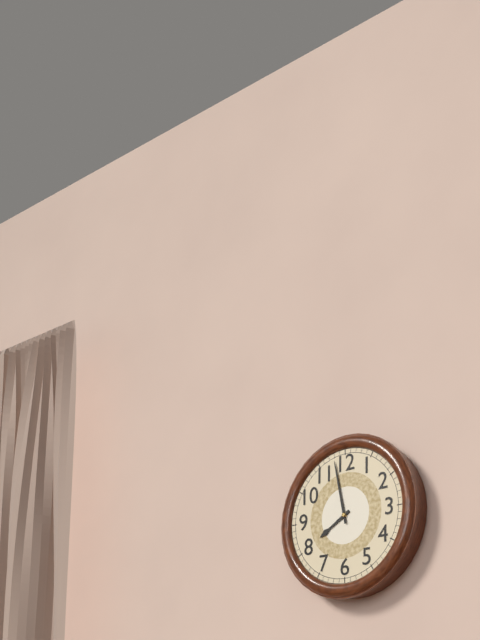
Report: 7 h 58 min
